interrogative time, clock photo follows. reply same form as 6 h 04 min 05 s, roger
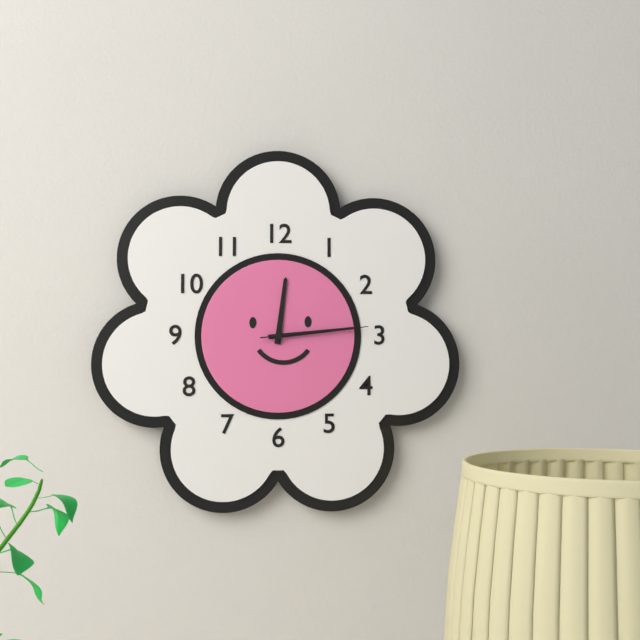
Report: 12 h 14 min 14 s
